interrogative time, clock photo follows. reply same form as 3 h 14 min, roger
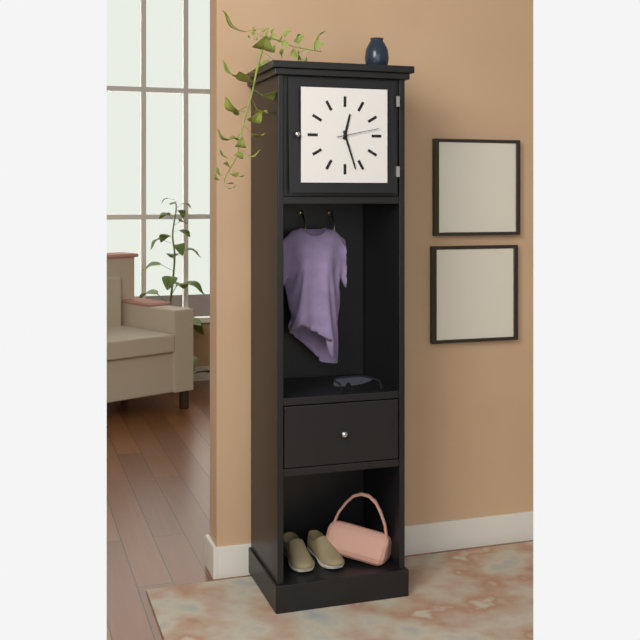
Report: 12 h 27 min
